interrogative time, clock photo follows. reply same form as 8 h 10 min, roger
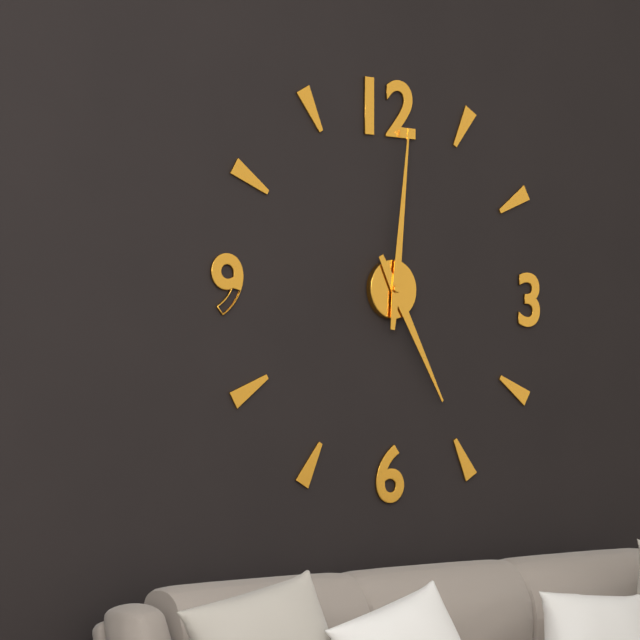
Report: 5 h 01 min
